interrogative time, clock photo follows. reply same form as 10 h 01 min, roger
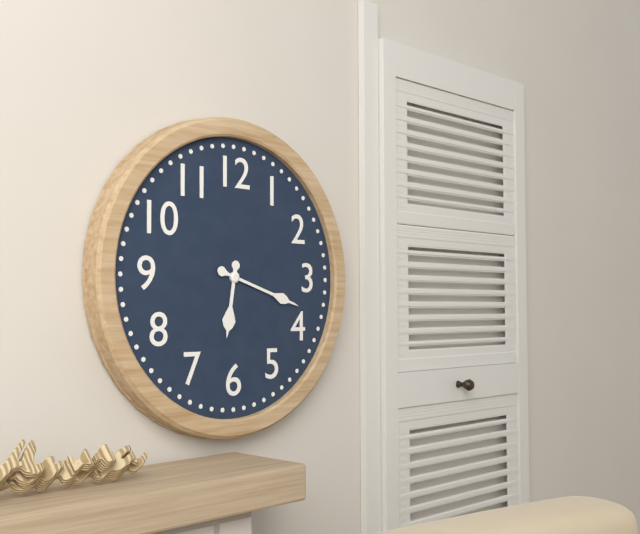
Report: 6 h 18 min
